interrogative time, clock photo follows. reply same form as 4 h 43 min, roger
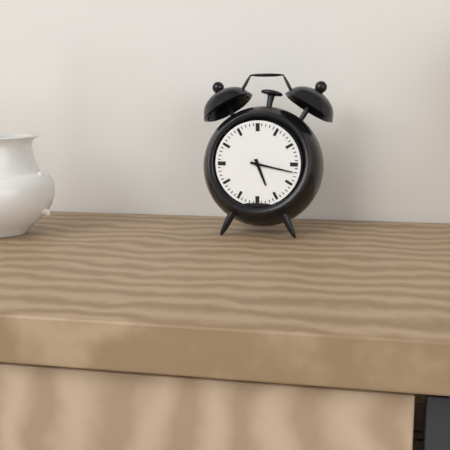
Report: 5 h 17 min
